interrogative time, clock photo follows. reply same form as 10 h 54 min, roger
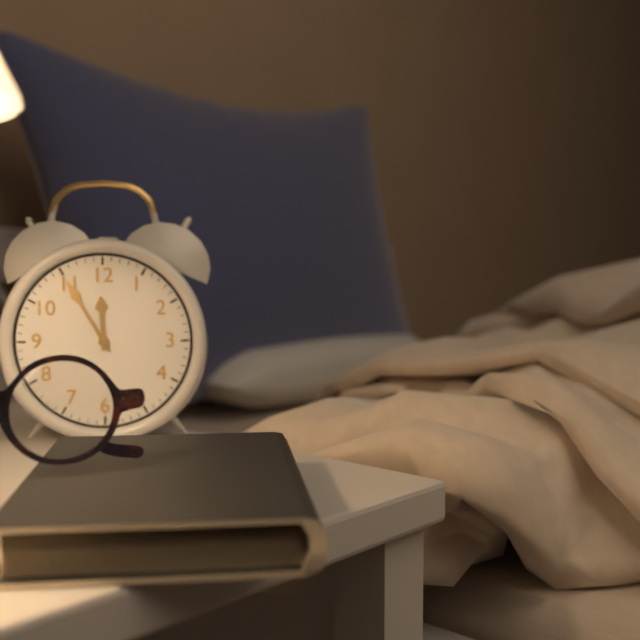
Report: 11 h 55 min
